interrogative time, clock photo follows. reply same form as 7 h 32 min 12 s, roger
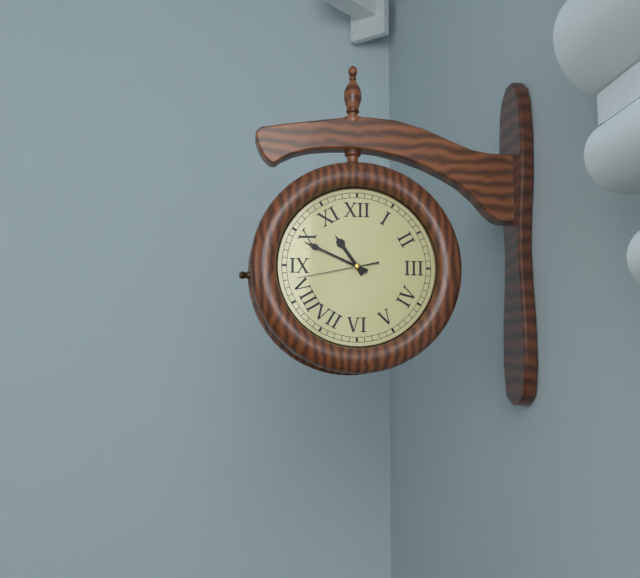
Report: 10 h 49 min 43 s
